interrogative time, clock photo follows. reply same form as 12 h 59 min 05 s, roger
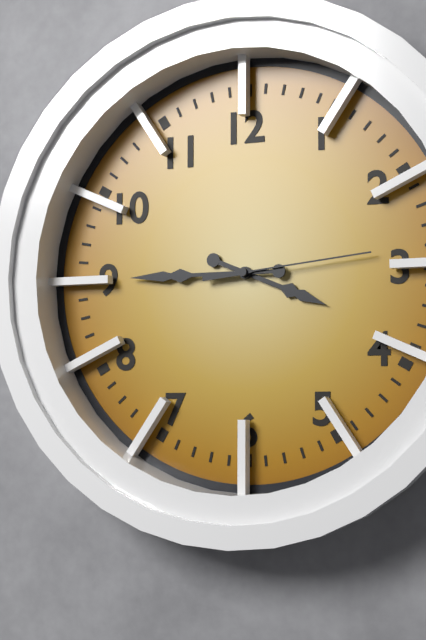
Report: 3 h 45 min 14 s
